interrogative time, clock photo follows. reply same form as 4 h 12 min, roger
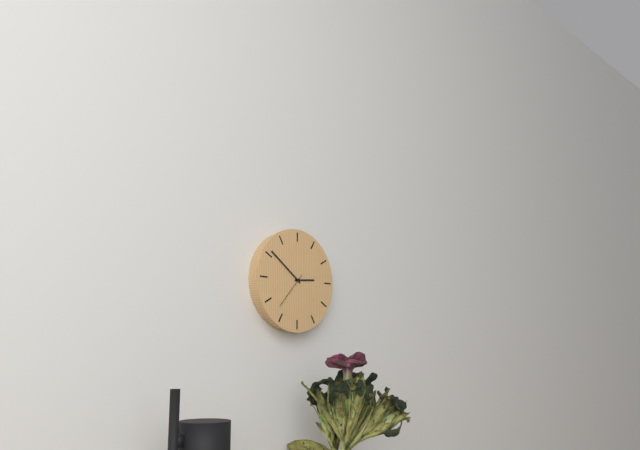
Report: 2 h 51 min
